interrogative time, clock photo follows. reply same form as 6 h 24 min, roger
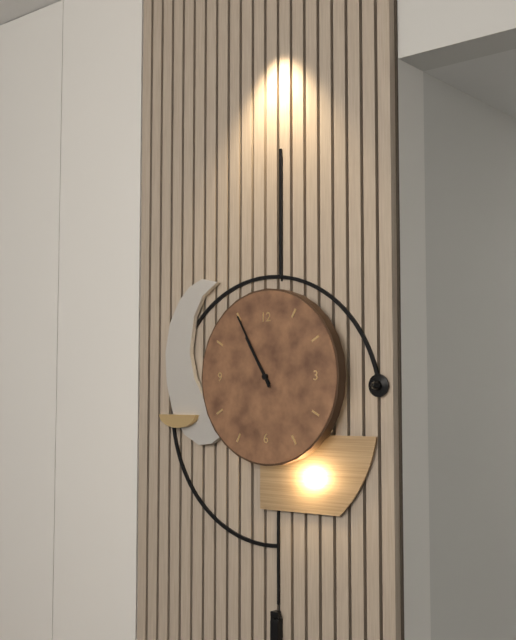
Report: 10 h 55 min
